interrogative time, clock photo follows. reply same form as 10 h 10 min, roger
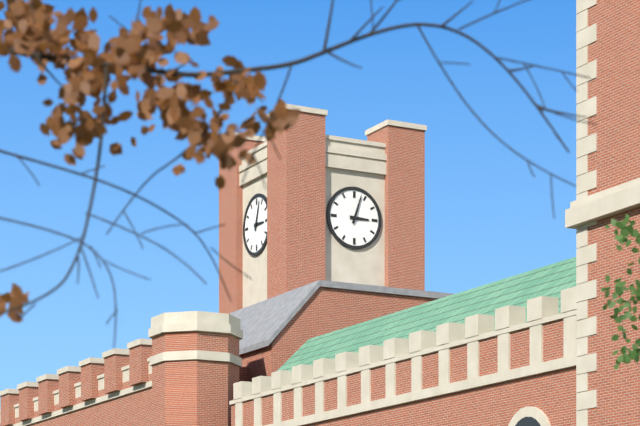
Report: 3 h 03 min
